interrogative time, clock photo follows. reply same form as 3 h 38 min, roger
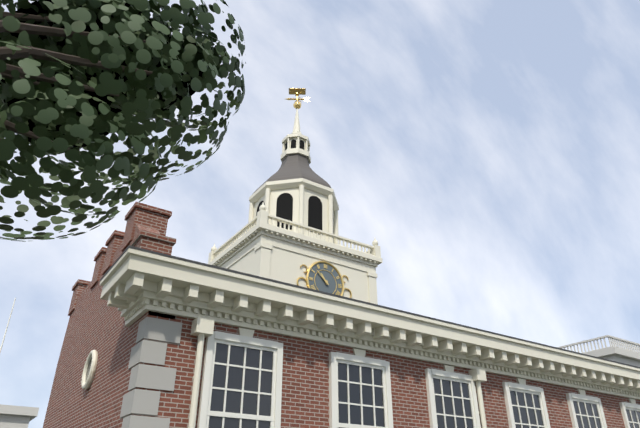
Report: 10 h 52 min
